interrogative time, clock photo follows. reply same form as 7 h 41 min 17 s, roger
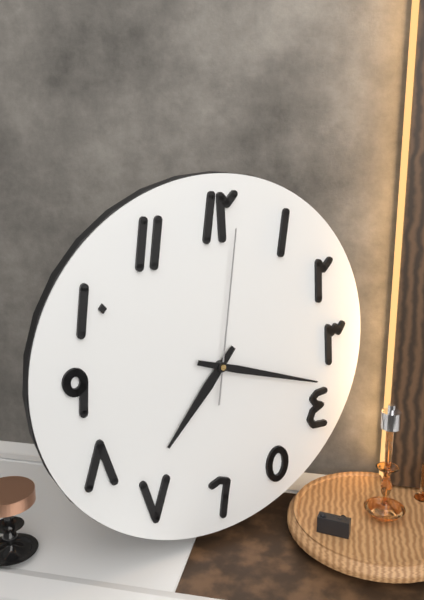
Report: 7 h 18 min 01 s
